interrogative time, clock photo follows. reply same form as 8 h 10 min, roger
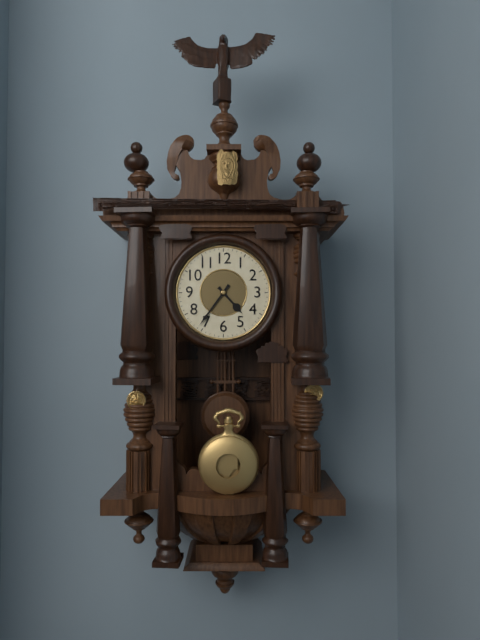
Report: 4 h 36 min
